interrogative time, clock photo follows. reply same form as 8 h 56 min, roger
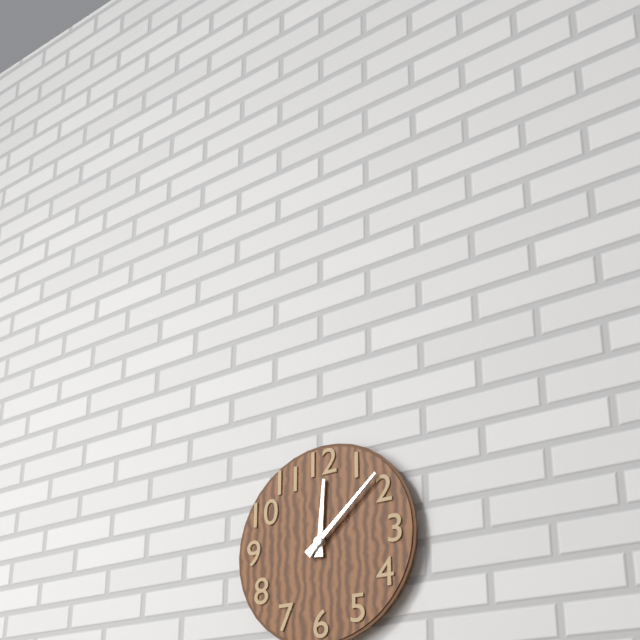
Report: 12 h 08 min
